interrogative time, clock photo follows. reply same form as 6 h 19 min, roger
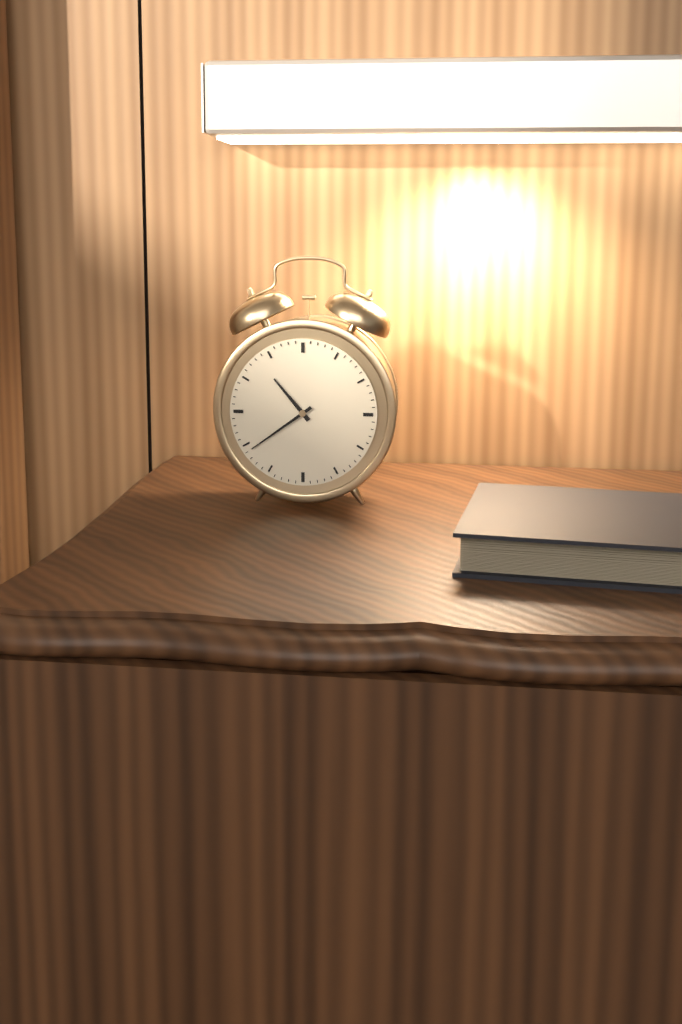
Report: 10 h 39 min
